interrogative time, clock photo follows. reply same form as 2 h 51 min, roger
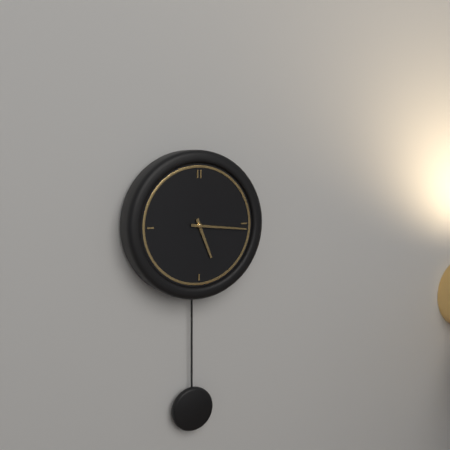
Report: 5 h 16 min
